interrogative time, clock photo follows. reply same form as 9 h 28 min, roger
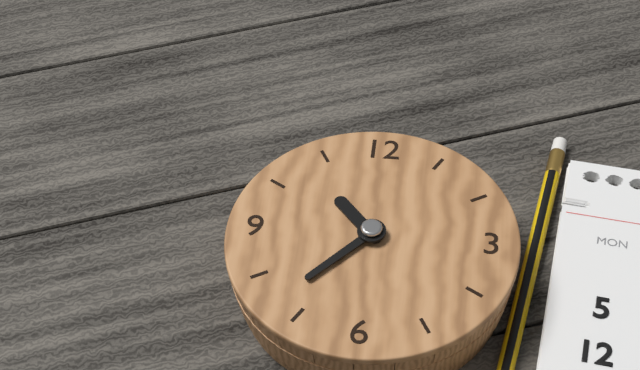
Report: 10 h 37 min
